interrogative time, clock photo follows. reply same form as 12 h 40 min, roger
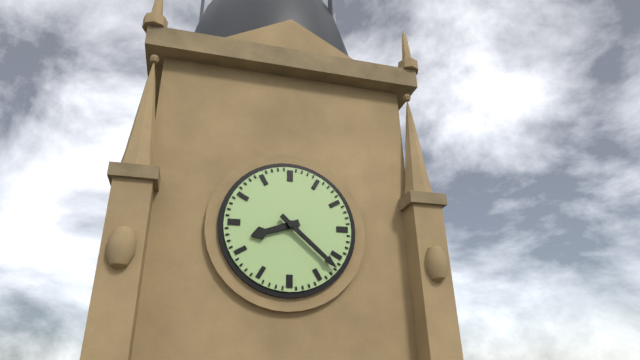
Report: 8 h 22 min
